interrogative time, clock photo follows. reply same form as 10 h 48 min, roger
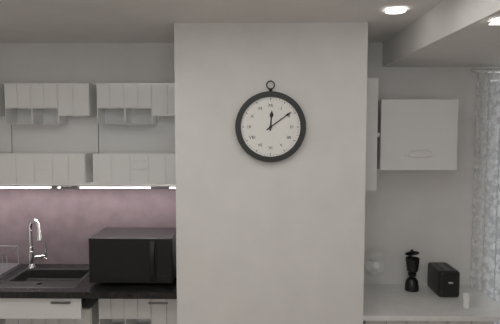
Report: 12 h 09 min
